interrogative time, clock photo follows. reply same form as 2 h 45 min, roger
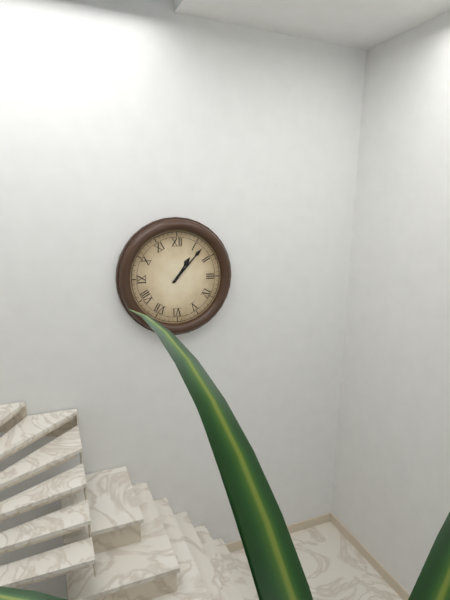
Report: 1 h 07 min
